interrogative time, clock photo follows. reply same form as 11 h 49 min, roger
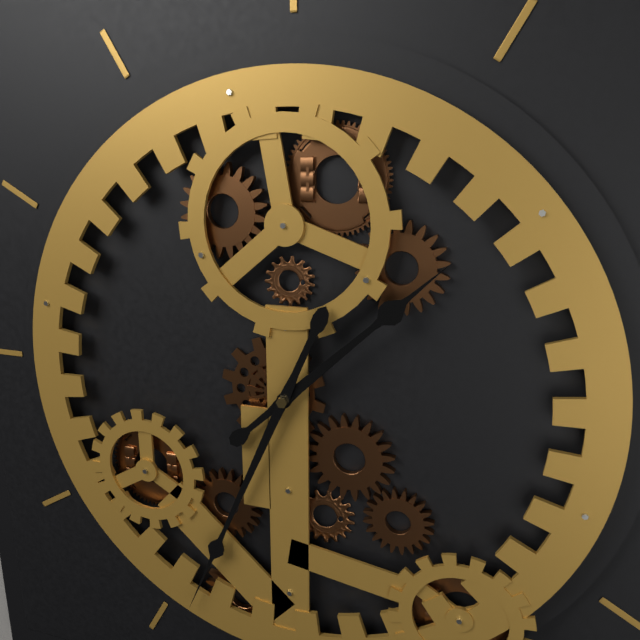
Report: 1 h 34 min
